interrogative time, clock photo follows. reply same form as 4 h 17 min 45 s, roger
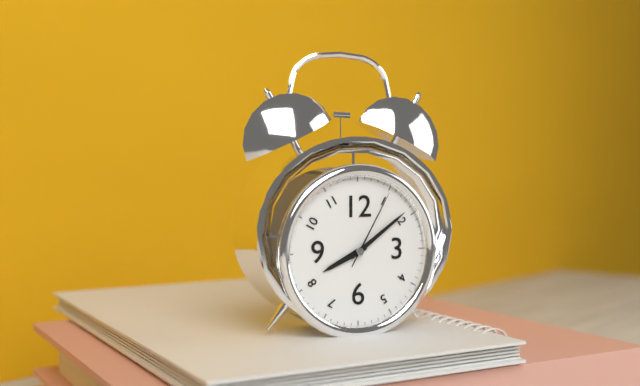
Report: 8 h 09 min 05 s
